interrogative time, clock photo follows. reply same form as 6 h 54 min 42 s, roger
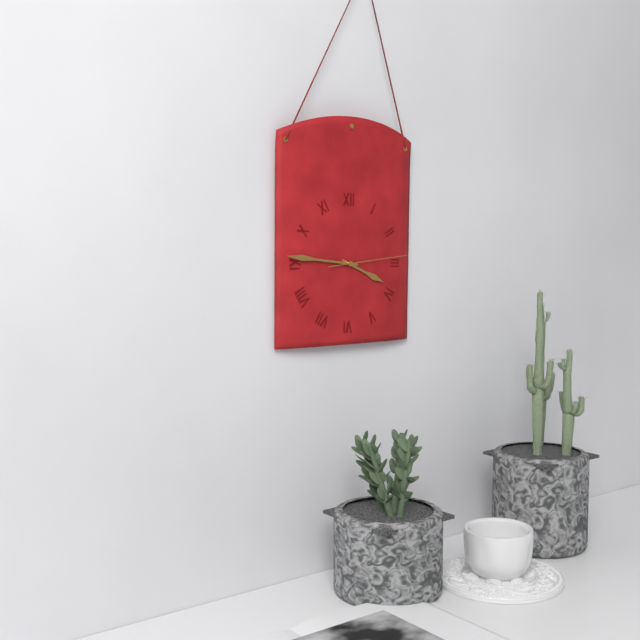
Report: 3 h 46 min 14 s
